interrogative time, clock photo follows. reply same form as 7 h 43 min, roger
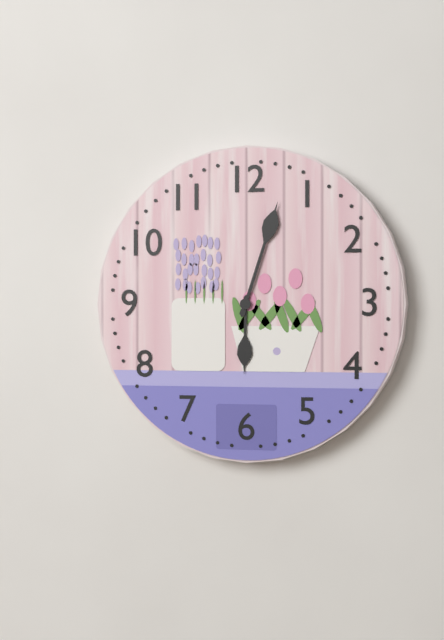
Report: 6 h 03 min
